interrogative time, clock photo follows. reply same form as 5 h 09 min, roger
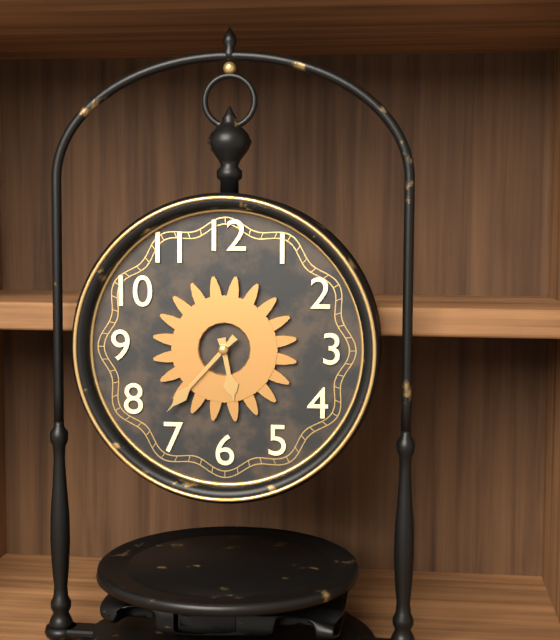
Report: 5 h 37 min
